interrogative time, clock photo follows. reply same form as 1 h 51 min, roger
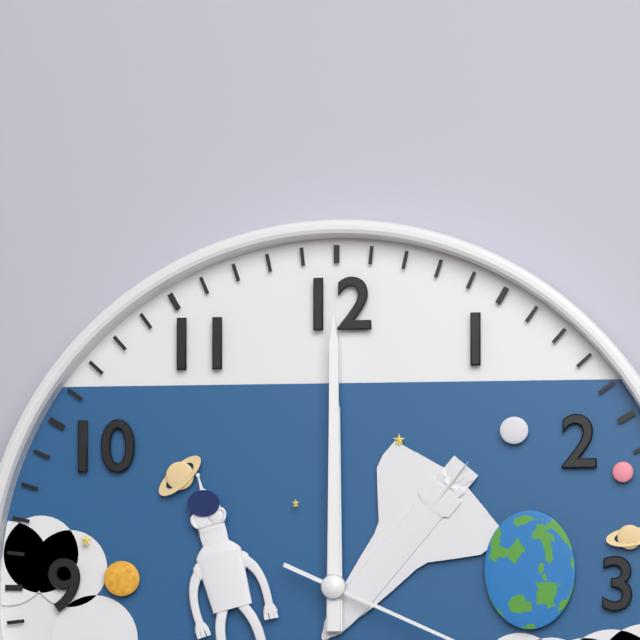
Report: 12 h 00 min
